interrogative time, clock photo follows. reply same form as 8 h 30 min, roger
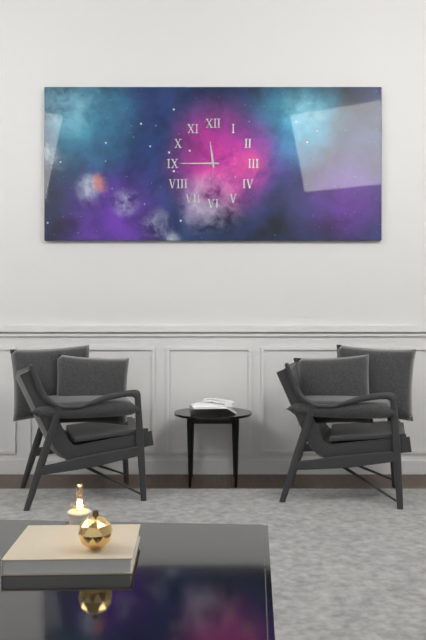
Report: 11 h 45 min
